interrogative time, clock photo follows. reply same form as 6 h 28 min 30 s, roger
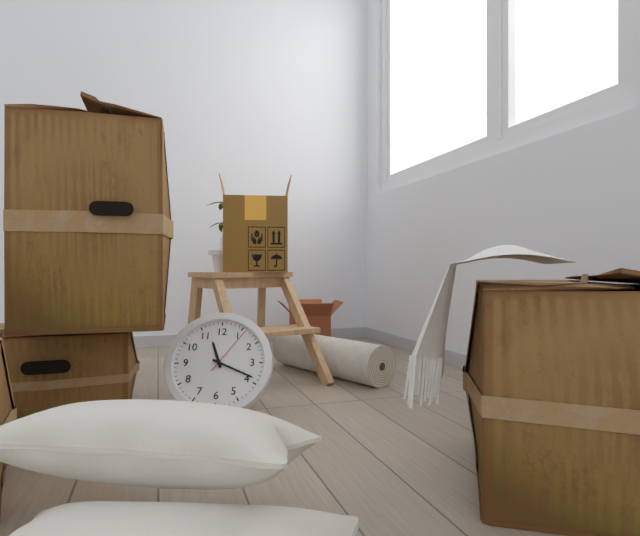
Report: 11 h 19 min 06 s
